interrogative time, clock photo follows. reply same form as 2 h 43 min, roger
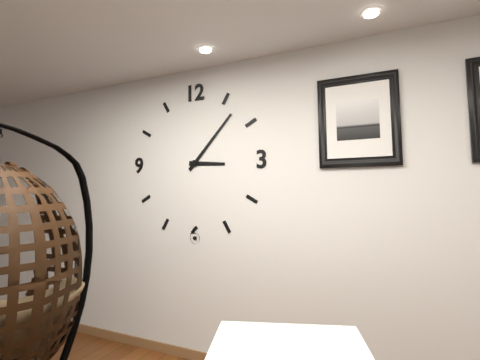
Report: 3 h 07 min
